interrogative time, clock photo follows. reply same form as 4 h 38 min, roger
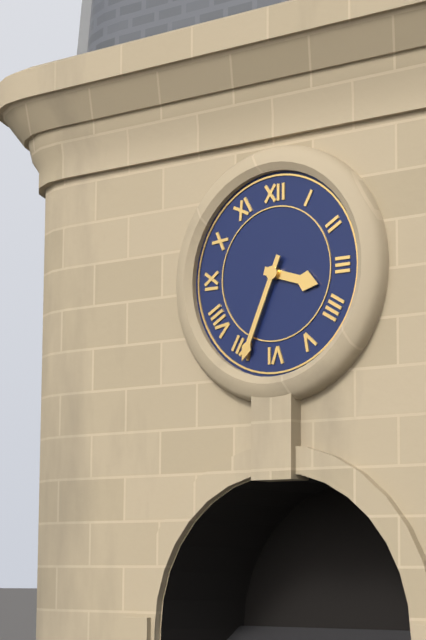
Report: 3 h 34 min
